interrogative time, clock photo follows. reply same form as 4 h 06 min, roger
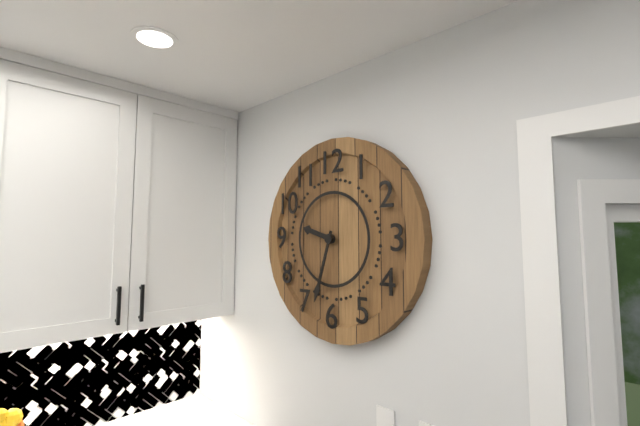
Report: 9 h 33 min
